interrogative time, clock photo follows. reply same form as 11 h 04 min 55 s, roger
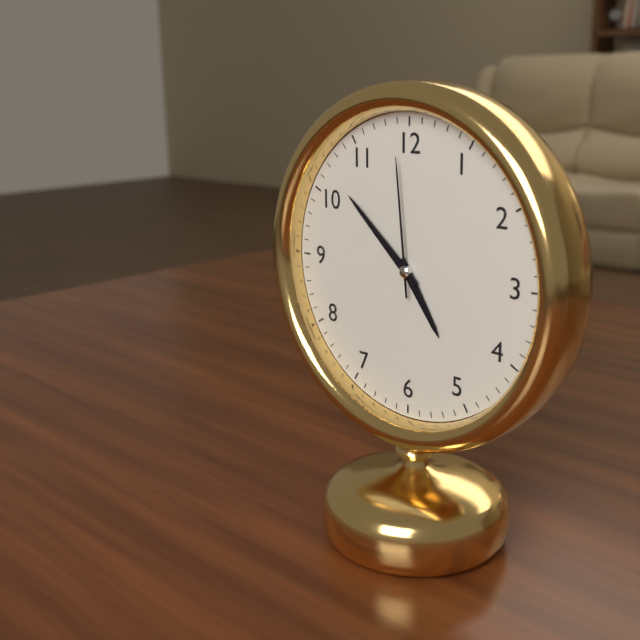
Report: 4 h 52 min 59 s
